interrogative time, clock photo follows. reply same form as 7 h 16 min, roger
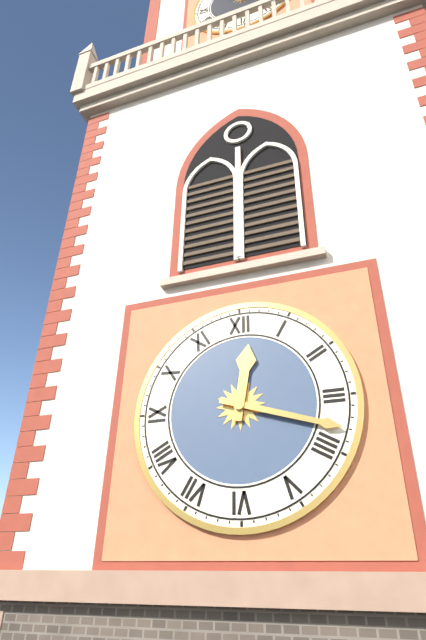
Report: 12 h 18 min
